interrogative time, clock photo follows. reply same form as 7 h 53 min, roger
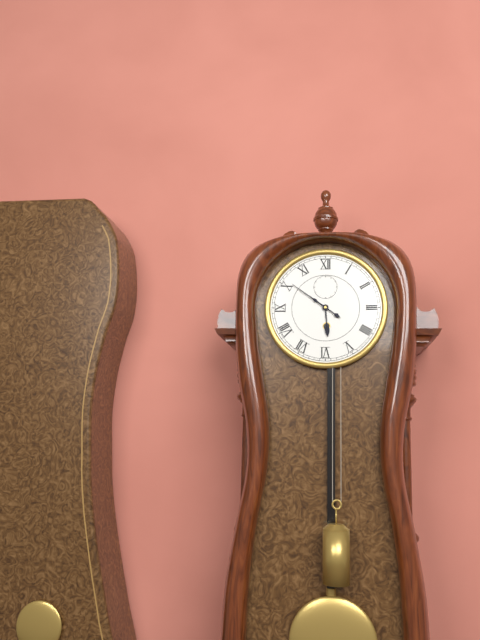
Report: 5 h 51 min
